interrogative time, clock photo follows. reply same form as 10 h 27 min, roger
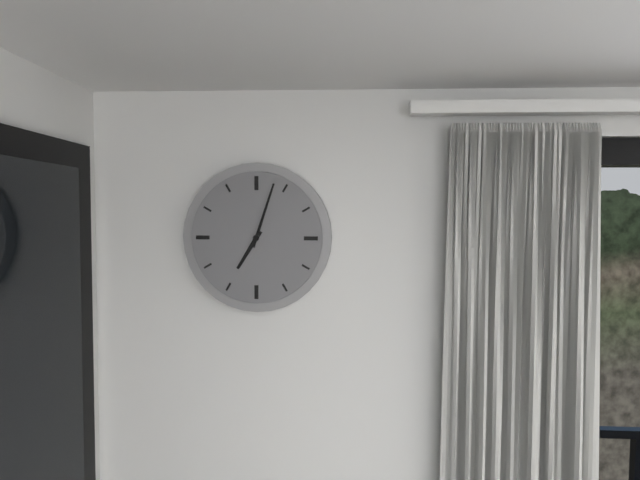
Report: 7 h 03 min
